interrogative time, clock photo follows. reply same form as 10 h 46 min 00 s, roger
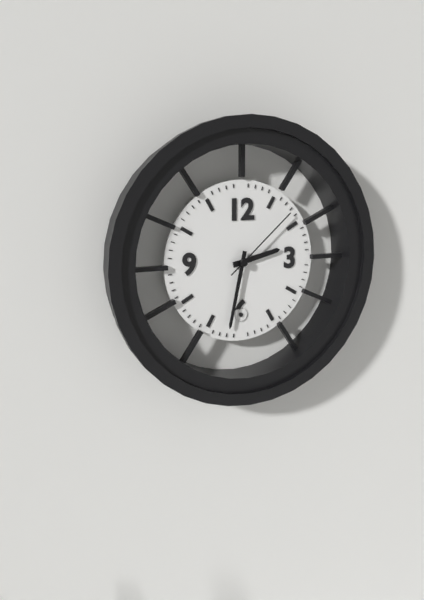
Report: 2 h 32 min 08 s
